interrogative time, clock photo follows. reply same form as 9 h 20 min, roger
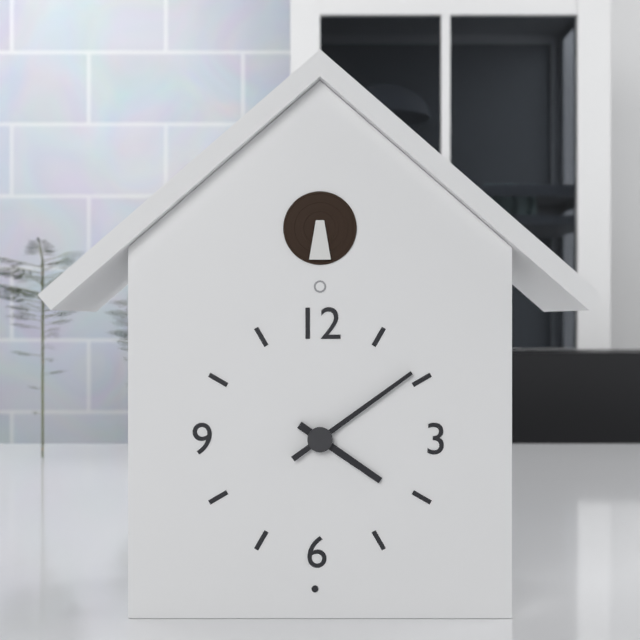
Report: 4 h 09 min
